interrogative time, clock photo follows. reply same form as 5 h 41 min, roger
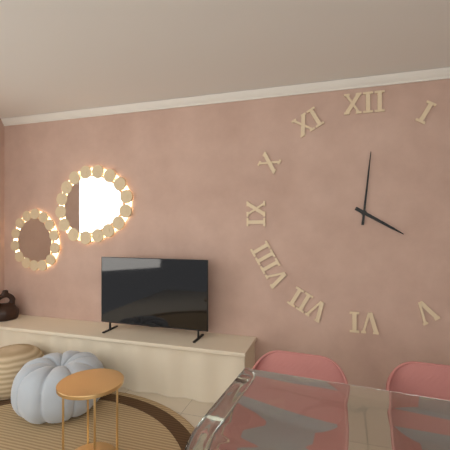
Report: 4 h 01 min
